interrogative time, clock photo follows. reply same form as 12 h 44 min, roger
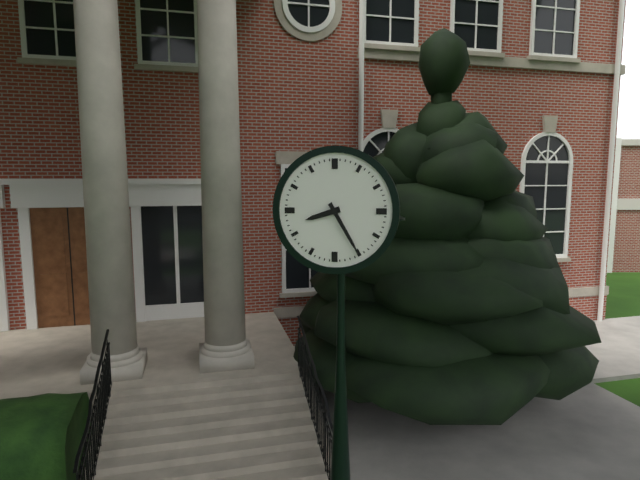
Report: 8 h 25 min
